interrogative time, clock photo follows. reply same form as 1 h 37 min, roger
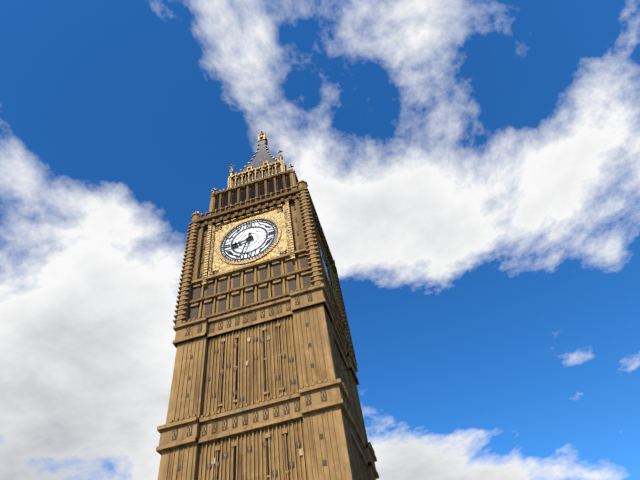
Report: 8 h 33 min
